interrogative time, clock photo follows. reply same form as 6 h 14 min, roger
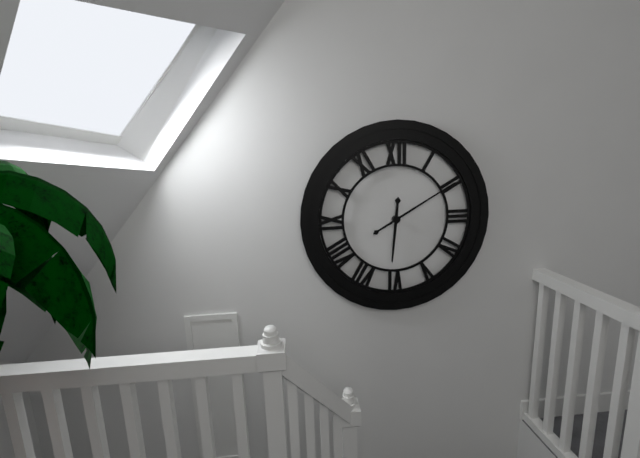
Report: 6 h 10 min
